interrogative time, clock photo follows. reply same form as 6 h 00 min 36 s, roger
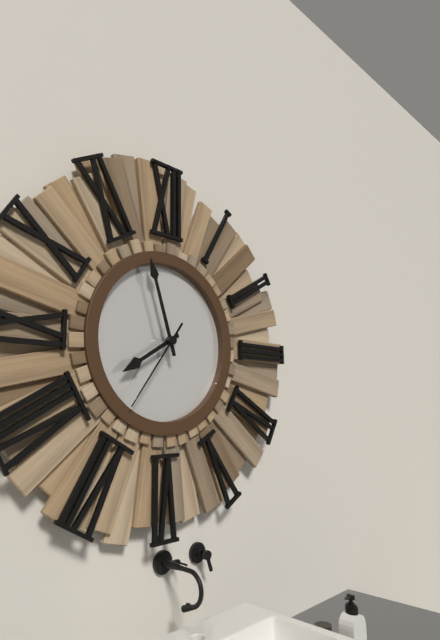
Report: 7 h 57 min 36 s
